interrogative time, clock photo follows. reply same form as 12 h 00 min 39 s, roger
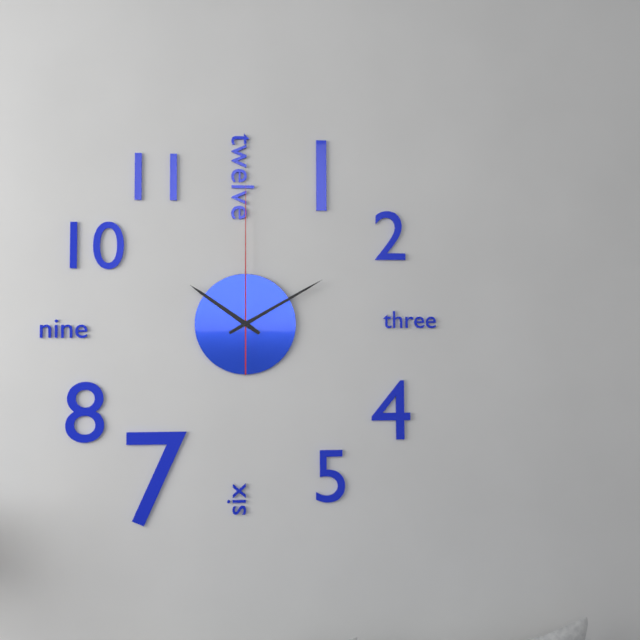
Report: 10 h 10 min 00 s
